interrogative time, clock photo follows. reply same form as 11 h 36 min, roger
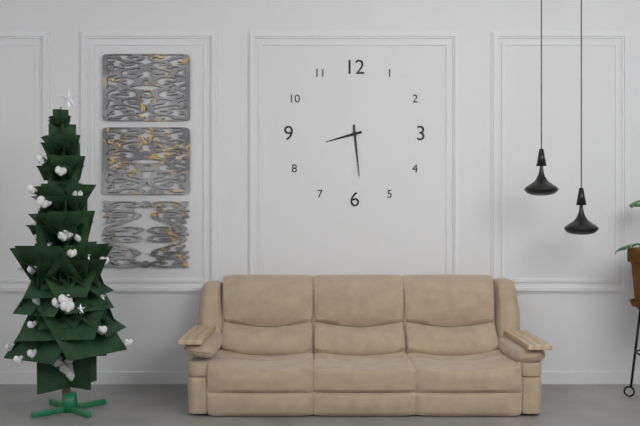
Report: 8 h 29 min
